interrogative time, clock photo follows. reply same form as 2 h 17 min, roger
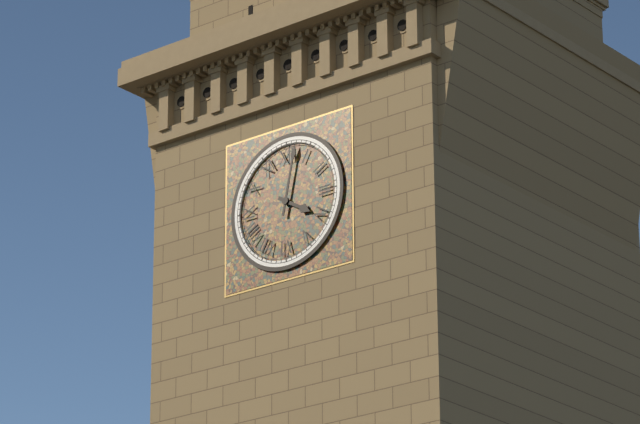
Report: 4 h 02 min
